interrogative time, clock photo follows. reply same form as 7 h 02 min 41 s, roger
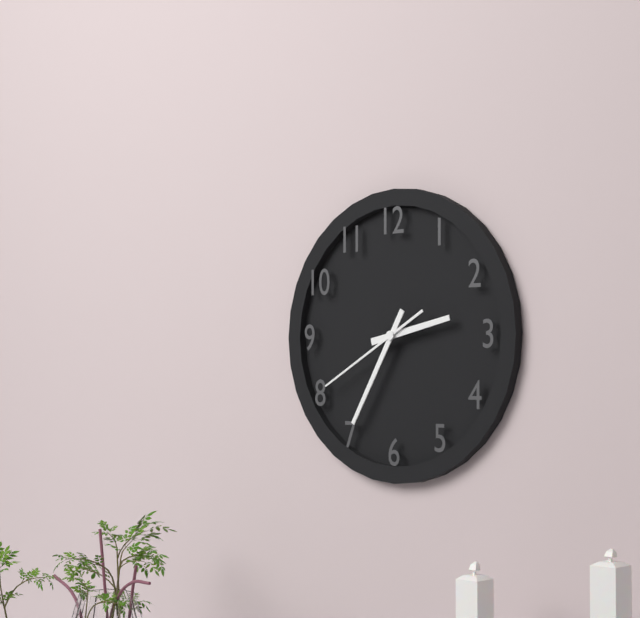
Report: 2 h 35 min 40 s
